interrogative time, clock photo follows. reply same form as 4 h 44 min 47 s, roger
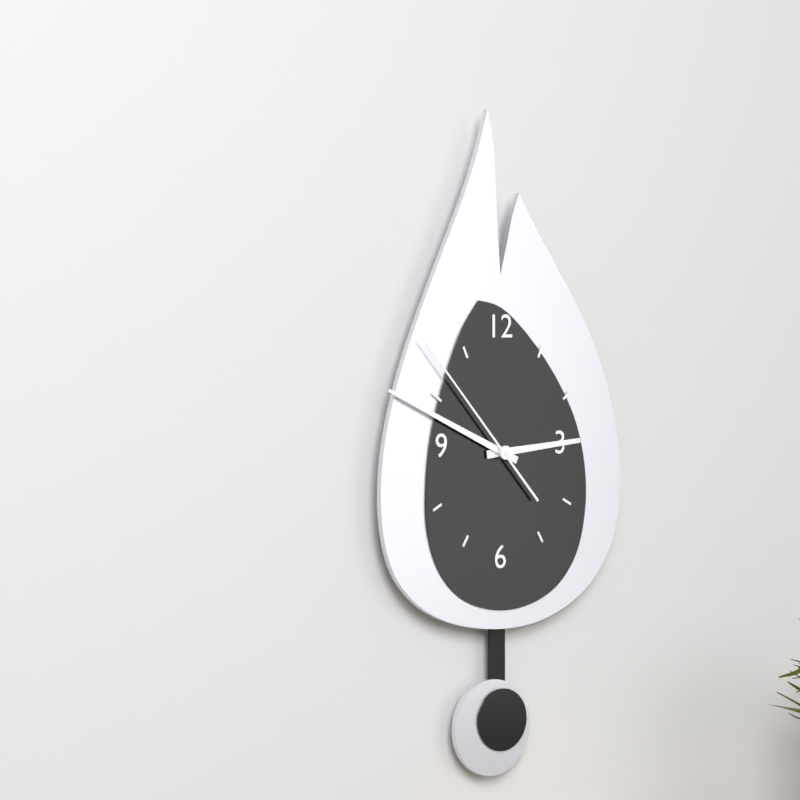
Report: 2 h 49 min 53 s
